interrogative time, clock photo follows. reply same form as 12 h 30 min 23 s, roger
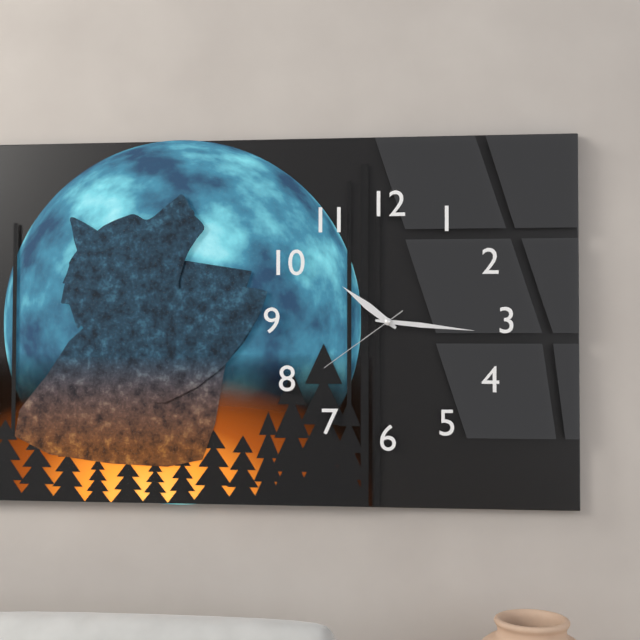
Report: 10 h 16 min 39 s
